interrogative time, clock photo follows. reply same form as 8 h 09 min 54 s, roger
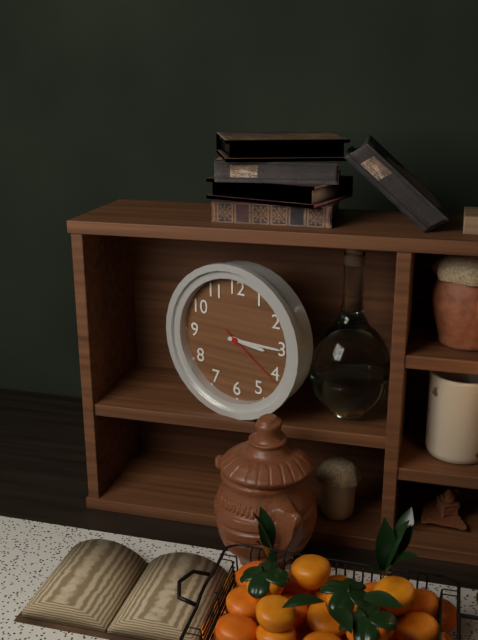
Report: 3 h 15 min 21 s
